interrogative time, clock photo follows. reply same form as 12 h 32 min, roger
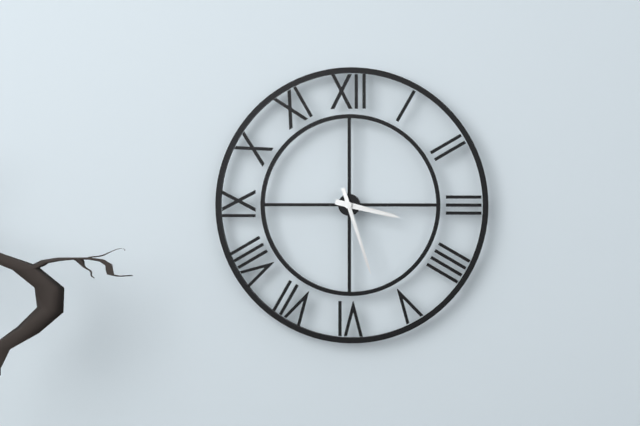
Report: 3 h 27 min
